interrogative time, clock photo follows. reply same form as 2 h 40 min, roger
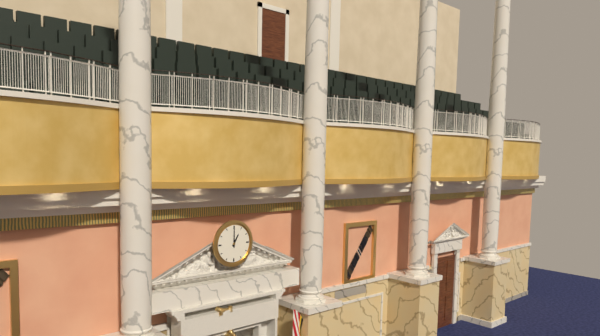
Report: 1 h 00 min
